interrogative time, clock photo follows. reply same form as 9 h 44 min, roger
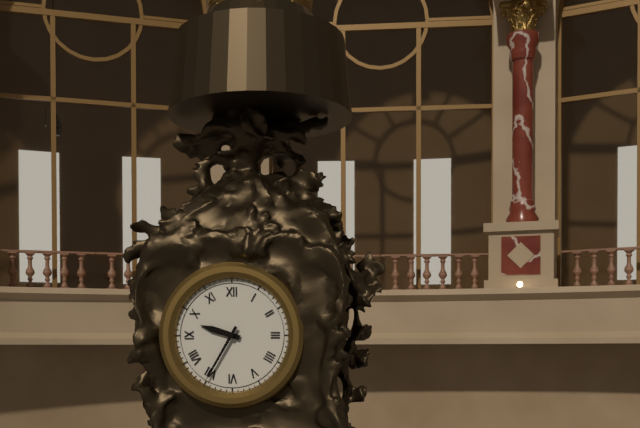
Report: 9 h 35 min
